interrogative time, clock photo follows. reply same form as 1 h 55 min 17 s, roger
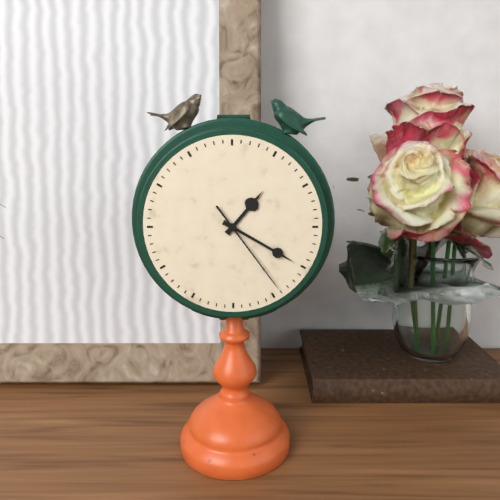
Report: 1 h 20 min 24 s
